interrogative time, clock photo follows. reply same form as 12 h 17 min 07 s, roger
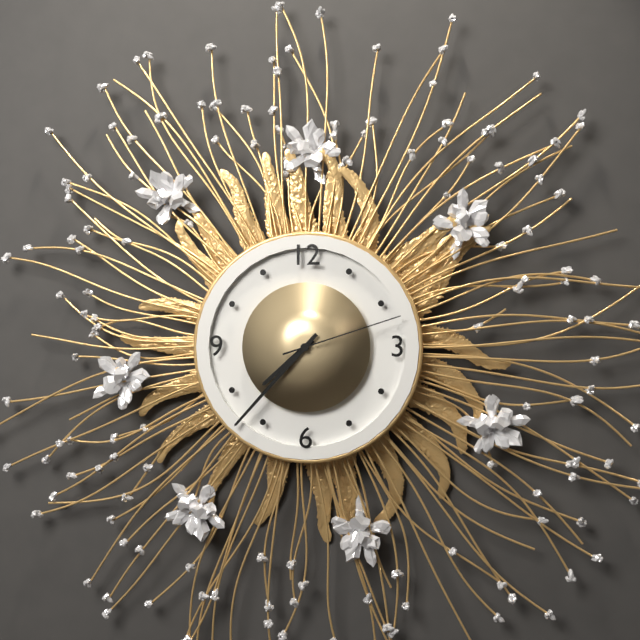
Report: 7 h 37 min 12 s
